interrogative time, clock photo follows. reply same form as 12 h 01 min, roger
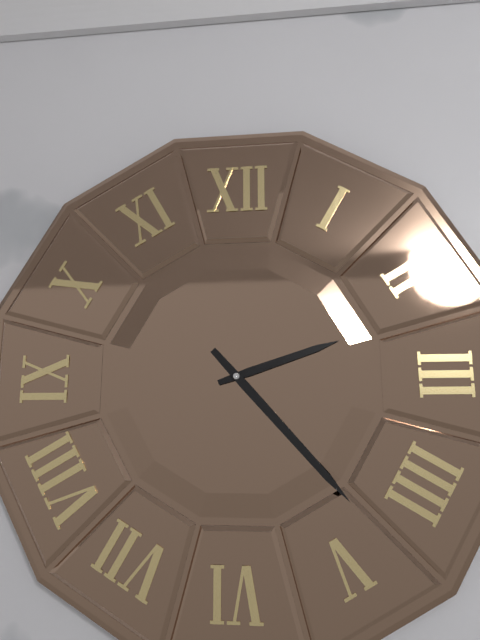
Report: 2 h 23 min
